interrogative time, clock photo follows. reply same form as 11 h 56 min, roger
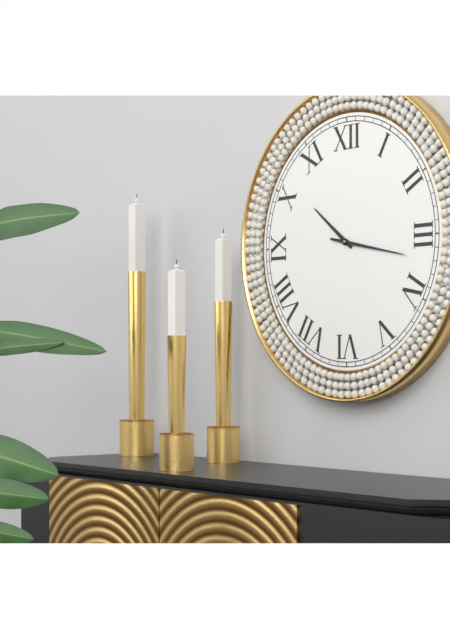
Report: 10 h 17 min
